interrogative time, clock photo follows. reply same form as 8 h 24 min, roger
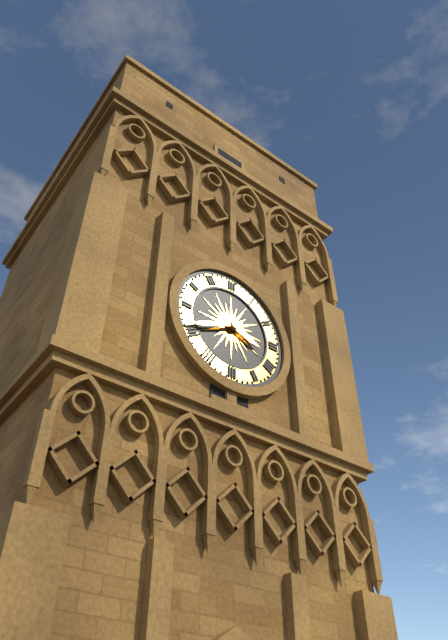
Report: 3 h 41 min
